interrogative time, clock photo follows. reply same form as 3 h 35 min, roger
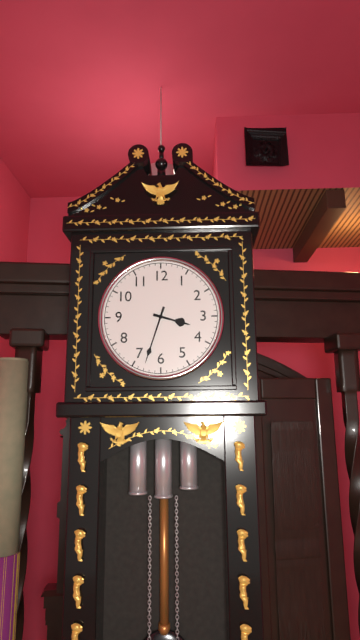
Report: 3 h 33 min
